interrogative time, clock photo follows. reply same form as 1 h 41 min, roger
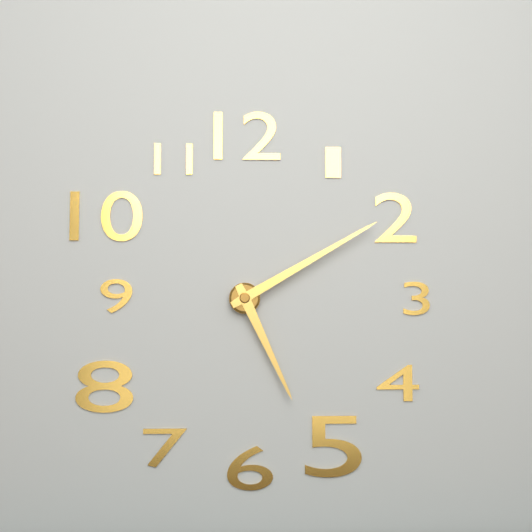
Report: 5 h 10 min
